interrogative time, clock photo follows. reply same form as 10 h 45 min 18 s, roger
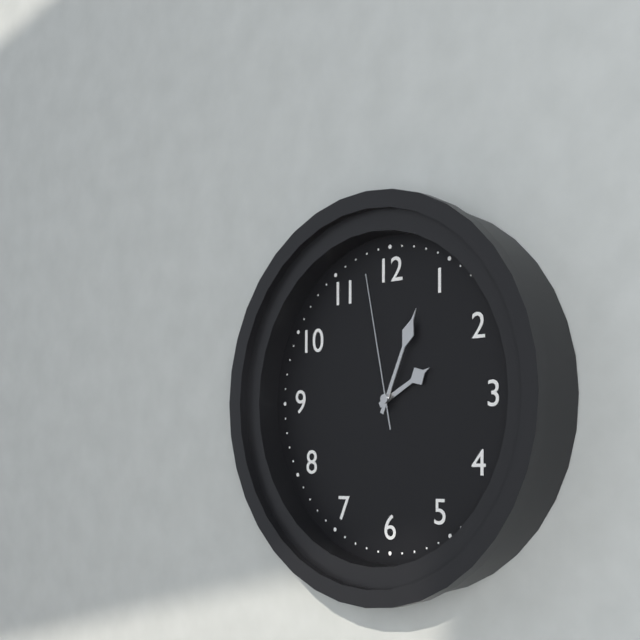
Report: 2 h 04 min 58 s
